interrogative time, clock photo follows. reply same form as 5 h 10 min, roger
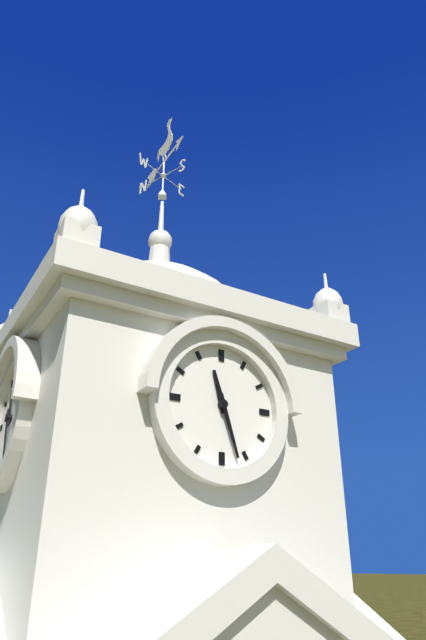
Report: 11 h 27 min
